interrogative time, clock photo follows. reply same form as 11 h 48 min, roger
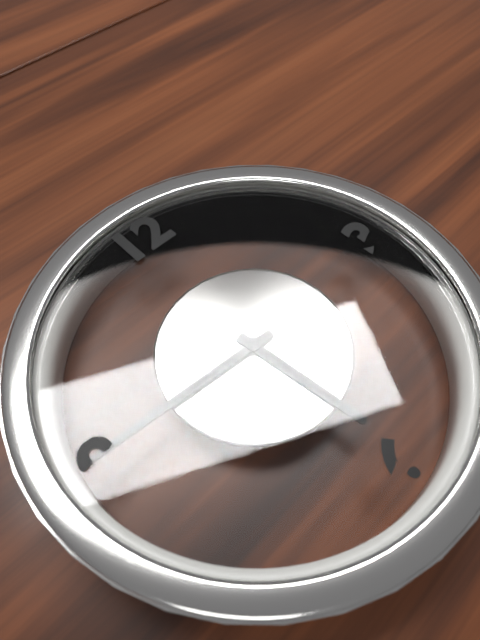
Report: 5 h 46 min
